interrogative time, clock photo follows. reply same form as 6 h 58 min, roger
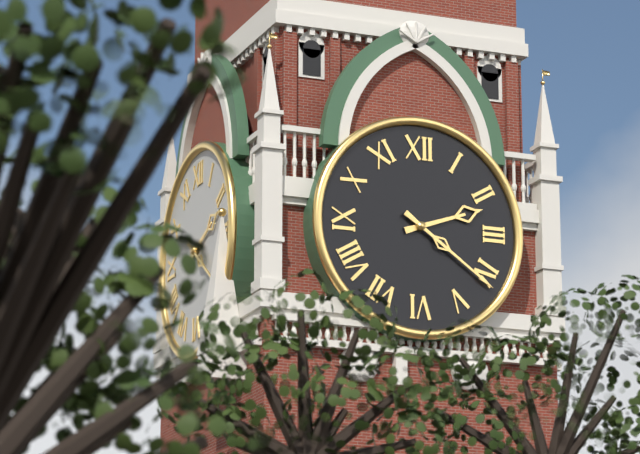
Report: 2 h 21 min
